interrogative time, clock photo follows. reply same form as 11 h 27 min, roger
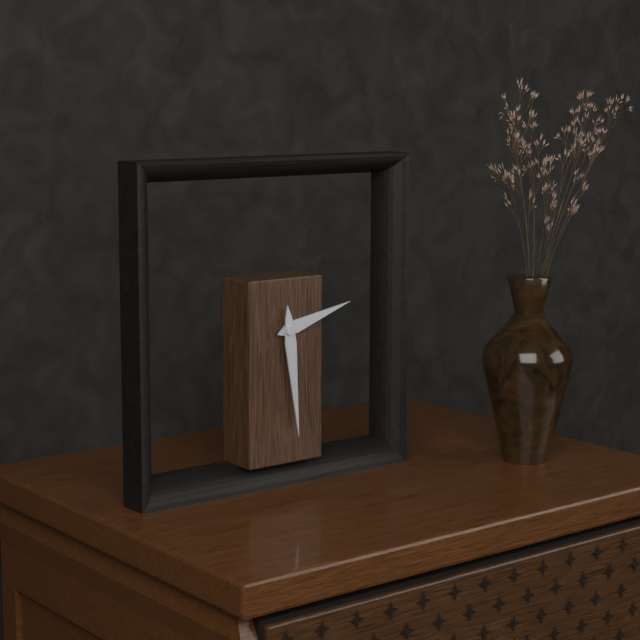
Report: 2 h 29 min
